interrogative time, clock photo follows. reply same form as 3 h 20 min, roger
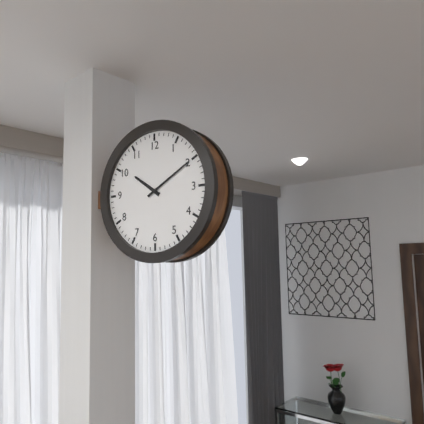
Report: 10 h 10 min
